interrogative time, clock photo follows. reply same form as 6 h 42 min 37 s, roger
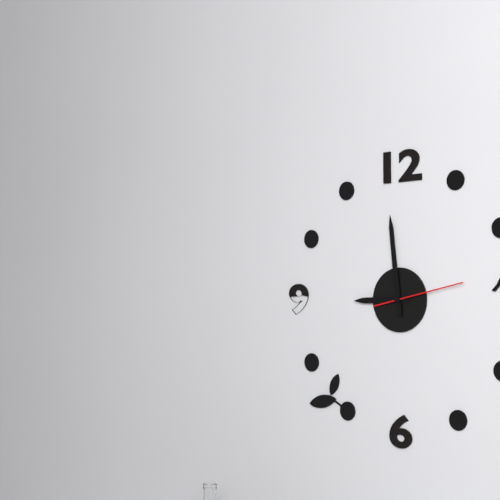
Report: 8 h 59 min 13 s
